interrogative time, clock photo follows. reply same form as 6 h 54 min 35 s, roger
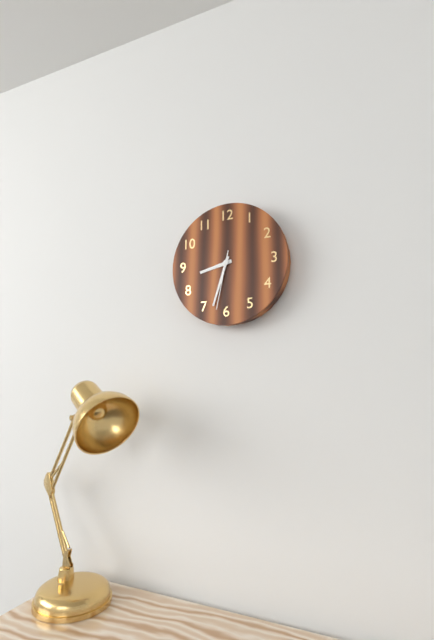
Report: 8 h 33 min 32 s
